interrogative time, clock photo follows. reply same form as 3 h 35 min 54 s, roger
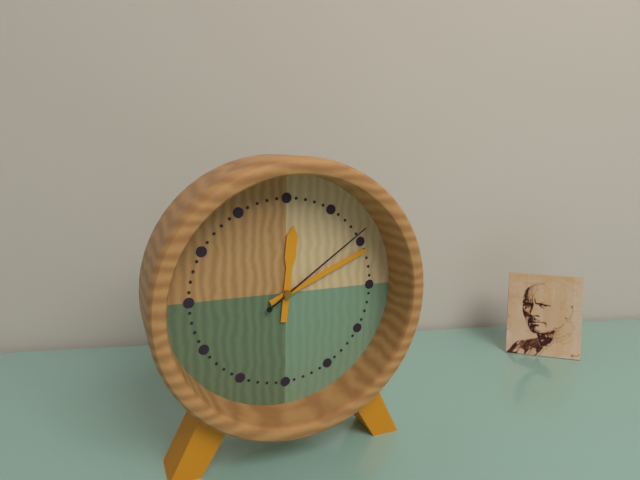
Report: 12 h 11 min 09 s
